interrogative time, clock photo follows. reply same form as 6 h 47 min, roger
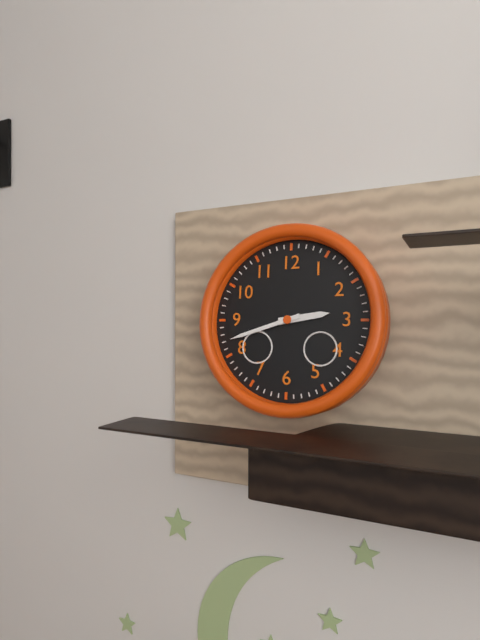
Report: 2 h 42 min
